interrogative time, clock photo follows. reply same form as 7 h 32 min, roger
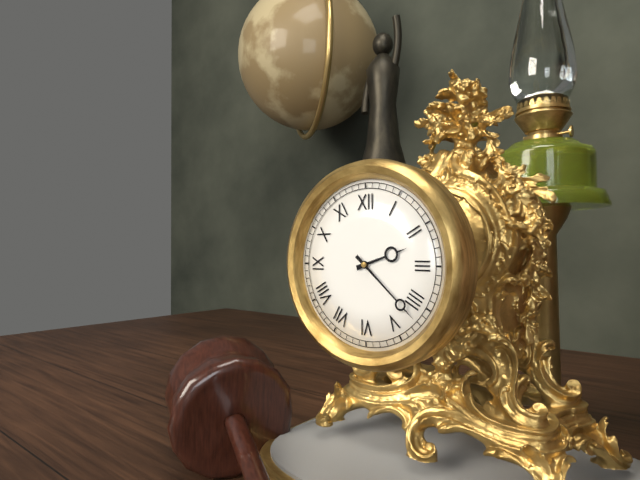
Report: 2 h 22 min
